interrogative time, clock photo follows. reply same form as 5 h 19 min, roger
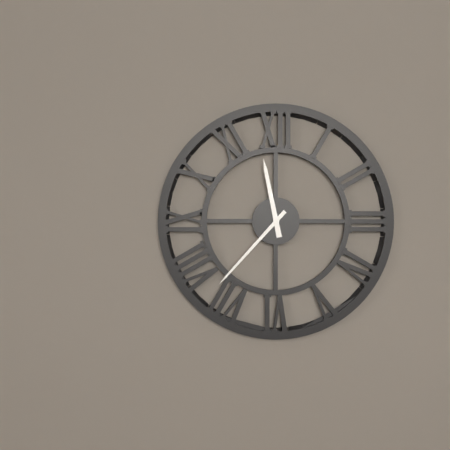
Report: 11 h 37 min
